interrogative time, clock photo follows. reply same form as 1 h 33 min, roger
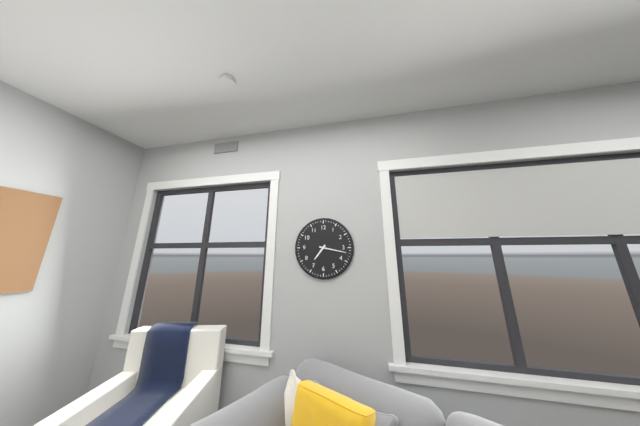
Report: 7 h 17 min
